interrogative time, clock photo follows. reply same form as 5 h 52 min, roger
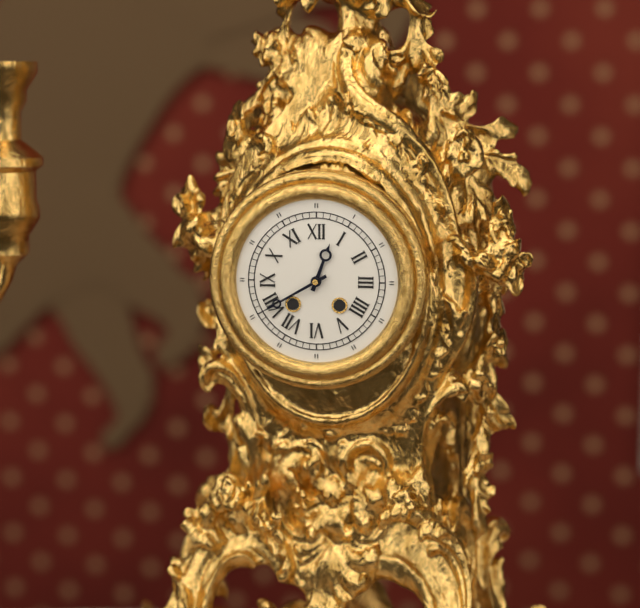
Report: 12 h 40 min
